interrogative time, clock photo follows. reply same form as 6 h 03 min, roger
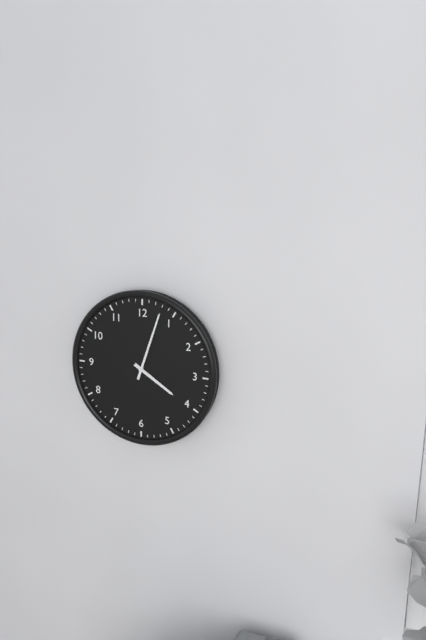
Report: 4 h 03 min
